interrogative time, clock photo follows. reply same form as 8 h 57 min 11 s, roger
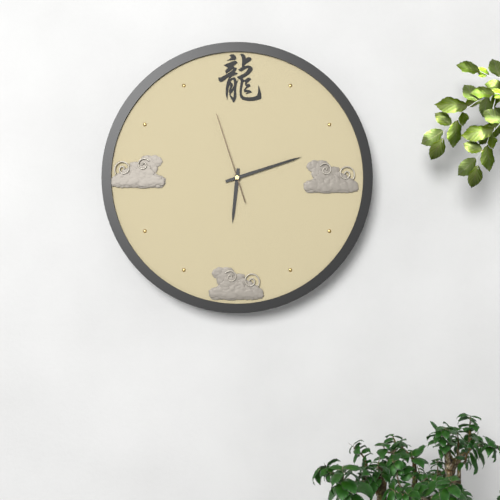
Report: 6 h 12 min 57 s
